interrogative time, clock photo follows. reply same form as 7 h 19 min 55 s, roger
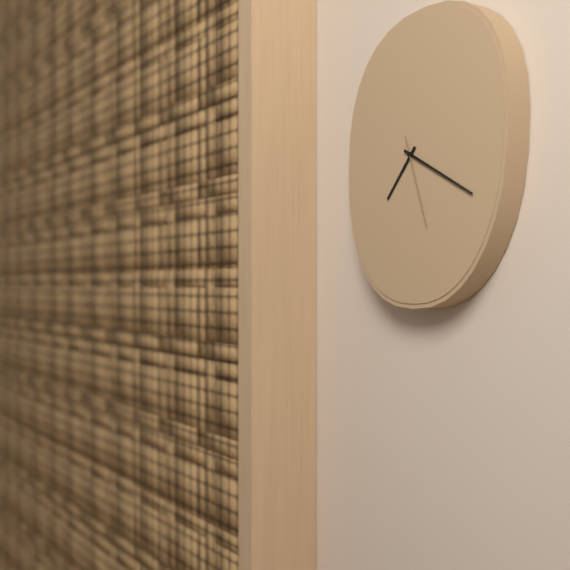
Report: 7 h 20 min 27 s
